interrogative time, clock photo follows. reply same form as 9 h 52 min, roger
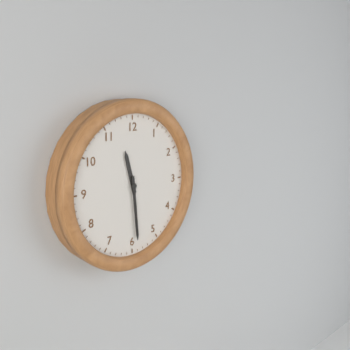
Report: 11 h 29 min
